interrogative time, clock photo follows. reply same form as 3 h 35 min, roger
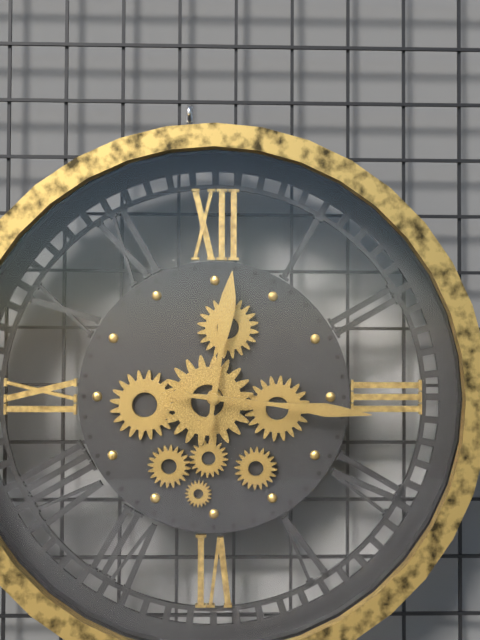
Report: 12 h 16 min
